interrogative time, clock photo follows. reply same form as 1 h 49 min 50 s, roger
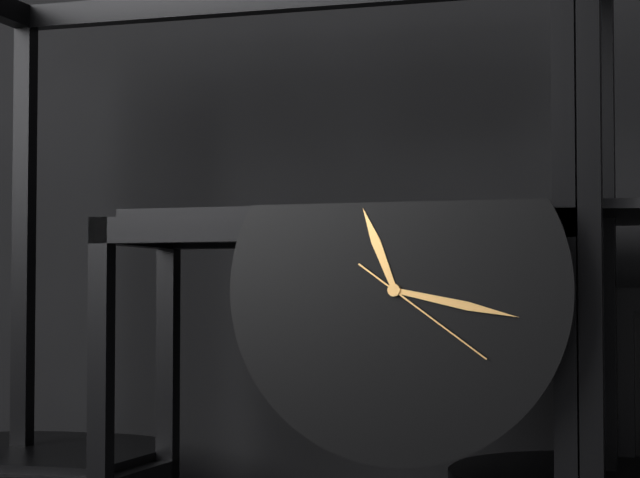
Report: 11 h 17 min 21 s
